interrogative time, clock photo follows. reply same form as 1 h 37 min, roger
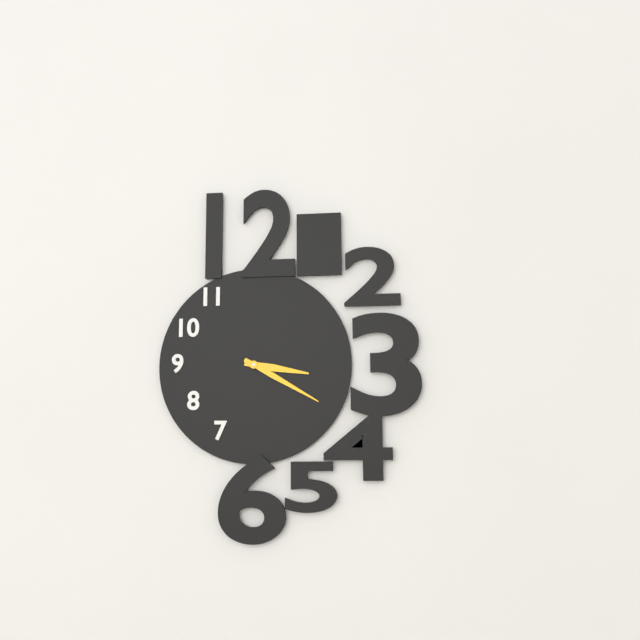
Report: 3 h 20 min
